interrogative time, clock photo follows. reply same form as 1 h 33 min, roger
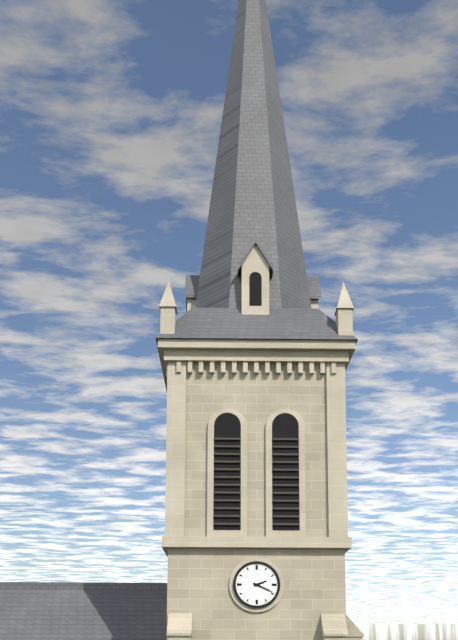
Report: 2 h 19 min
